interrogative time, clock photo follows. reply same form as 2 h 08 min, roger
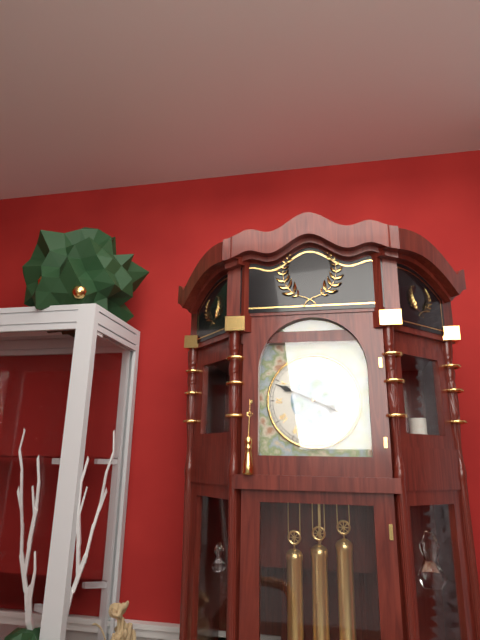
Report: 3 h 49 min
